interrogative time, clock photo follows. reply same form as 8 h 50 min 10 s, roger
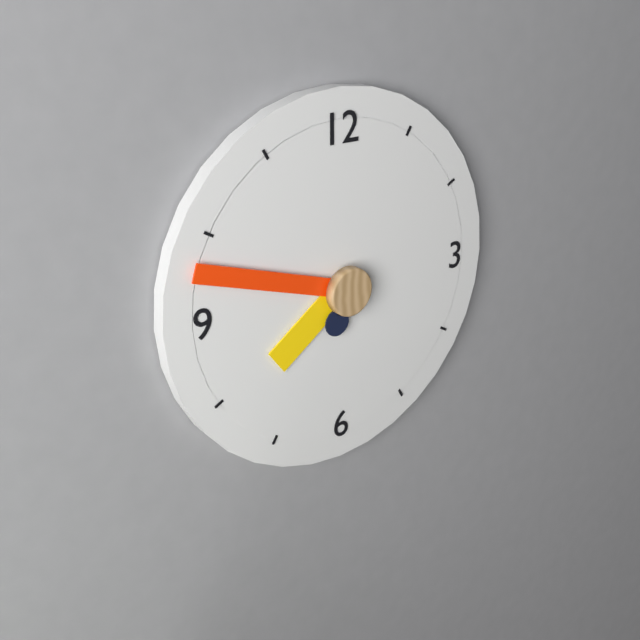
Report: 7 h 48 min 33 s
